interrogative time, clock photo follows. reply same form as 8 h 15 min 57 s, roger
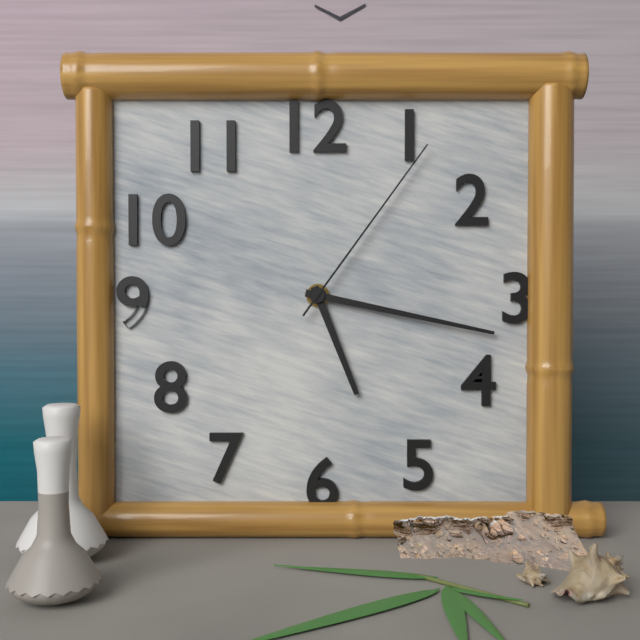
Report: 5 h 17 min 06 s
